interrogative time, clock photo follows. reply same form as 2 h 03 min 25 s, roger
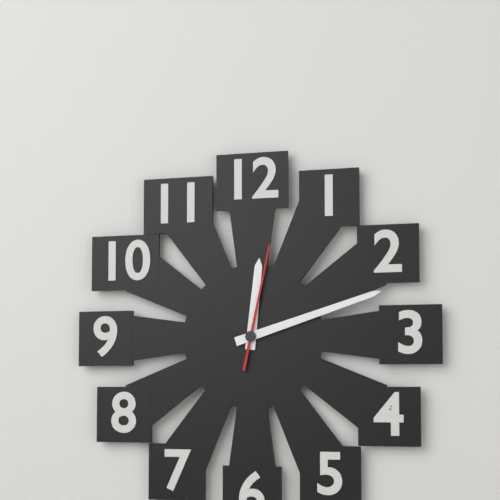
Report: 12 h 12 min 02 s
